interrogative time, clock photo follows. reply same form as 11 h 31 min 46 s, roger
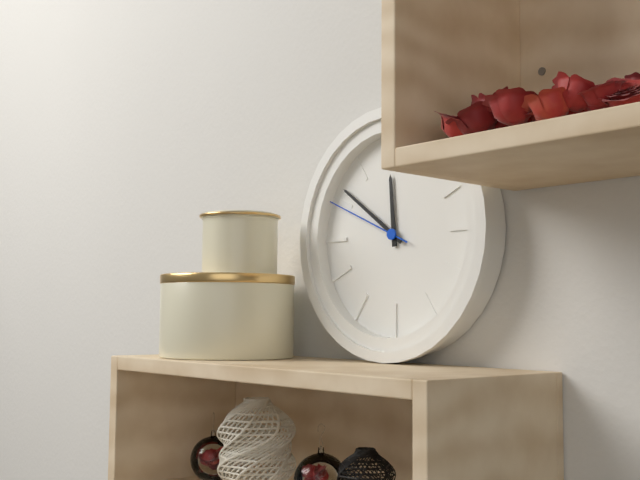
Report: 11 h 51 min 49 s
